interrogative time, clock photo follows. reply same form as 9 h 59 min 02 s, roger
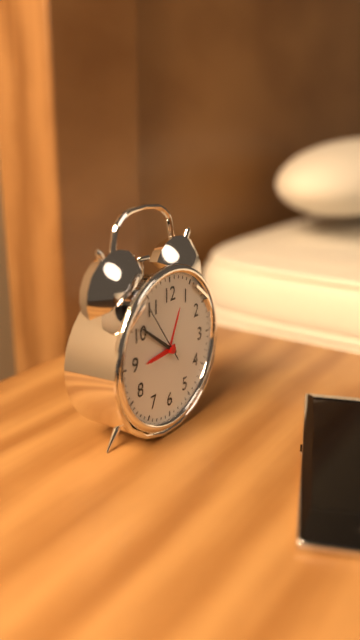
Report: 8 h 51 min 54 s
